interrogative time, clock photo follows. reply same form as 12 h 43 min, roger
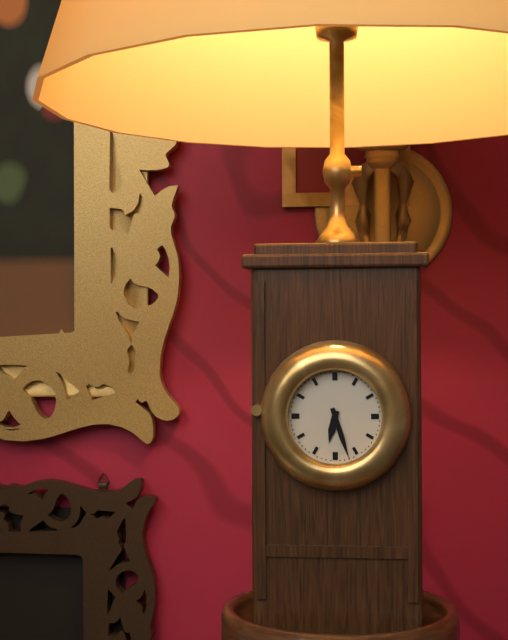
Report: 6 h 27 min
